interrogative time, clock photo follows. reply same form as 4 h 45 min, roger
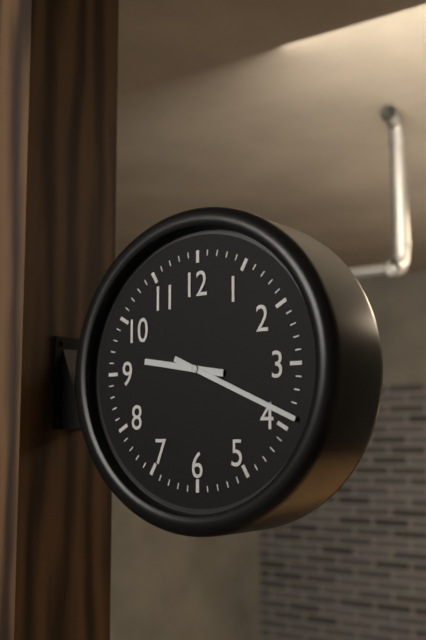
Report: 9 h 19 min
